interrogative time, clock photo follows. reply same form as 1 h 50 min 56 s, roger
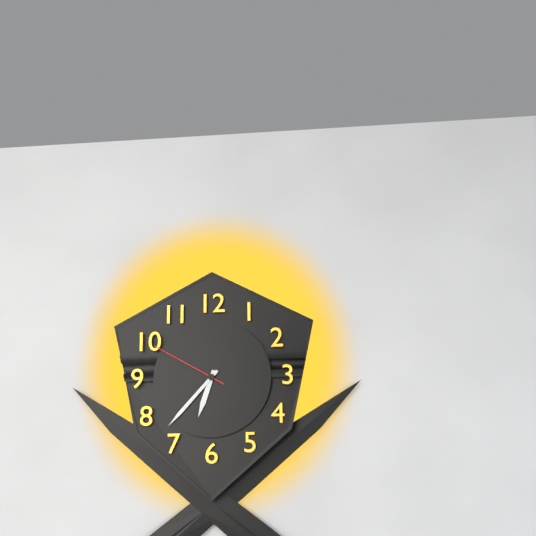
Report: 6 h 37 min 50 s
